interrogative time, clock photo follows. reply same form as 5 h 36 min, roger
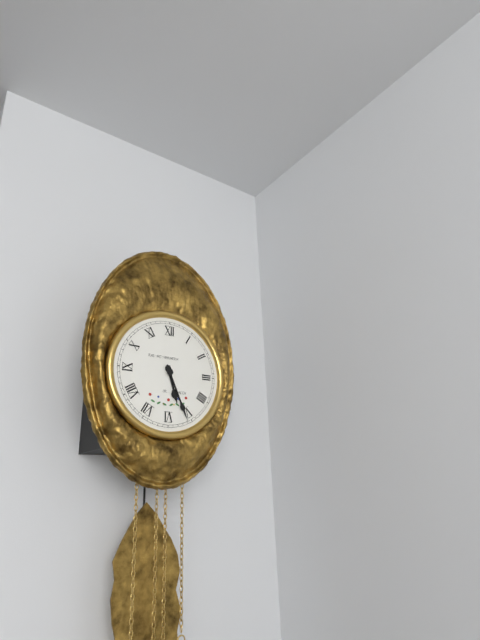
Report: 5 h 26 min
